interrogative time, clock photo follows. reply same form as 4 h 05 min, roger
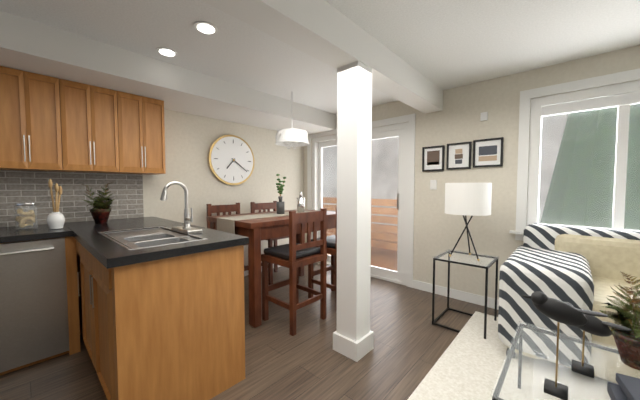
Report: 7 h 21 min
